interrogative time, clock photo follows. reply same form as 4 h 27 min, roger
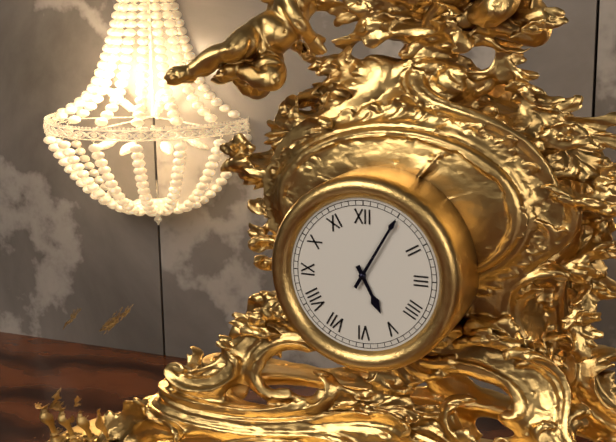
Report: 5 h 05 min
